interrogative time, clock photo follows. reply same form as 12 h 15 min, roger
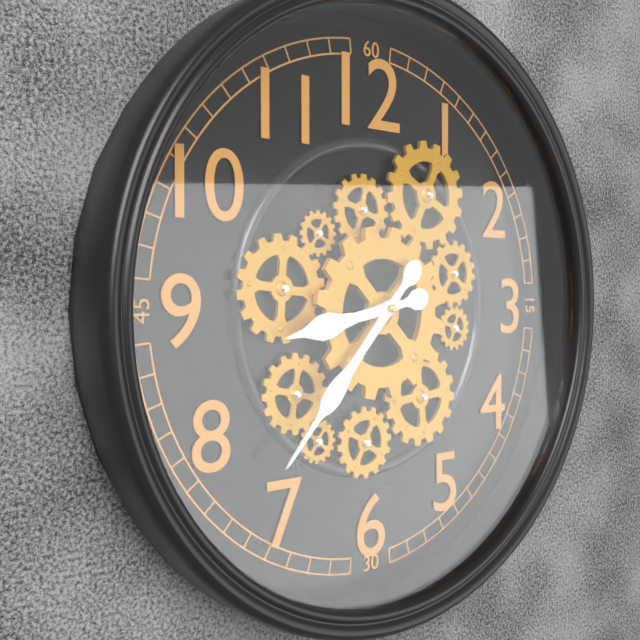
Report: 8 h 37 min
